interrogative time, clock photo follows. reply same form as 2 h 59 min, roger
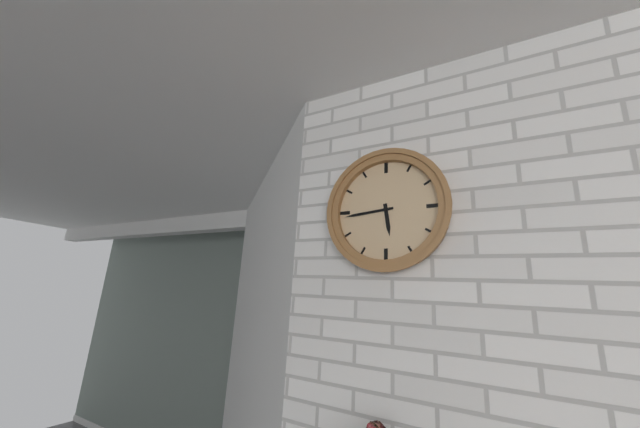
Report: 5 h 44 min
